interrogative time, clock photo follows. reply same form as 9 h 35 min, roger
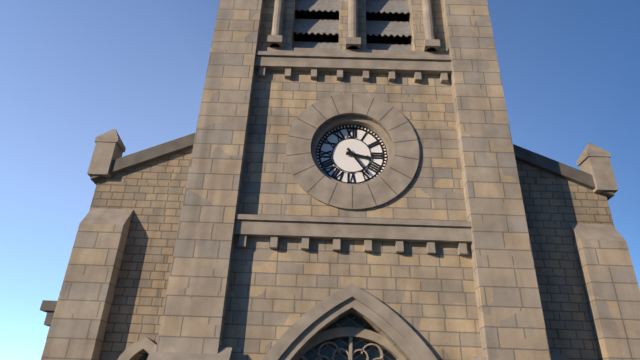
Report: 3 h 24 min
